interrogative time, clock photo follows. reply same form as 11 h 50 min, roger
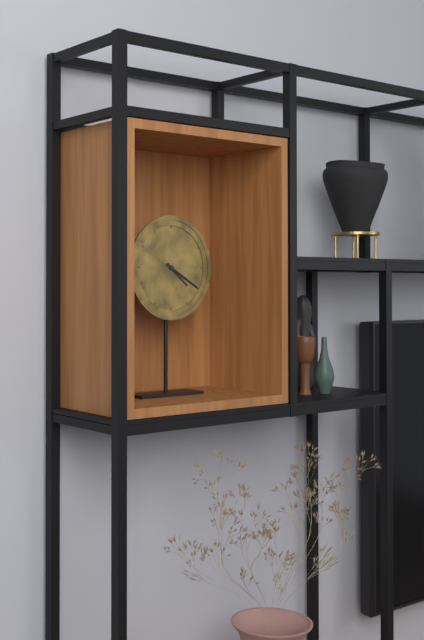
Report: 4 h 20 min
